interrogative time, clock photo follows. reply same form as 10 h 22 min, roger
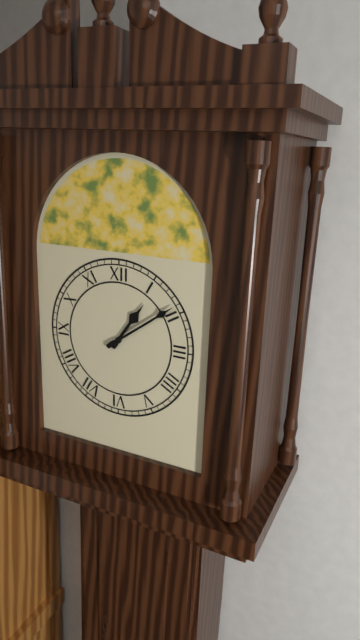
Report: 1 h 09 min
